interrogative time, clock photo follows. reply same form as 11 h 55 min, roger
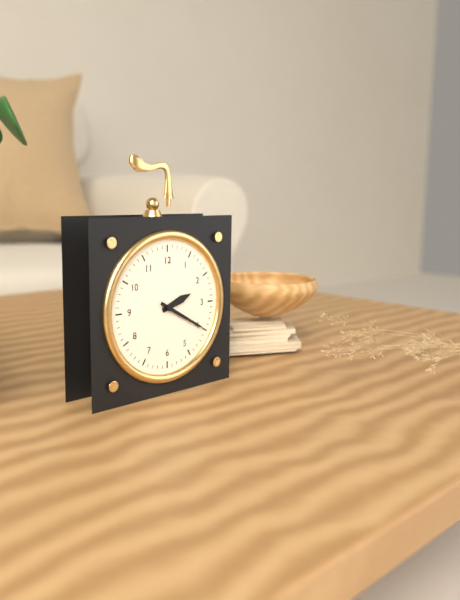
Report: 2 h 20 min
